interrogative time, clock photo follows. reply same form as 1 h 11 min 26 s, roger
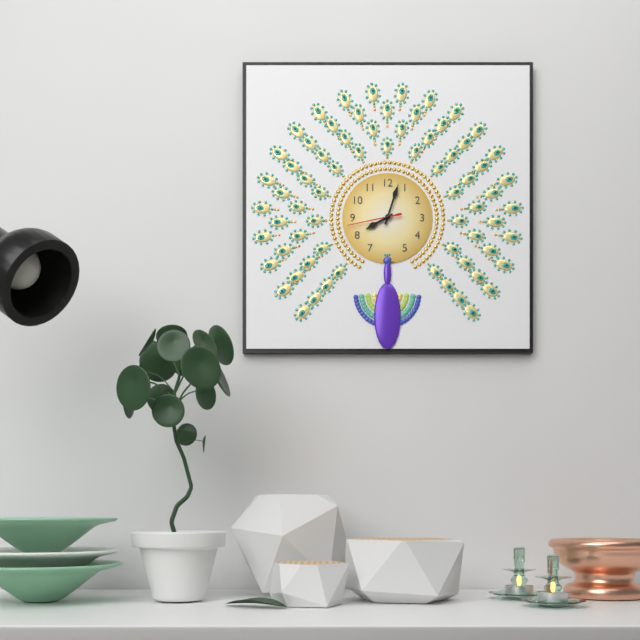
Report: 8 h 03 min 43 s
